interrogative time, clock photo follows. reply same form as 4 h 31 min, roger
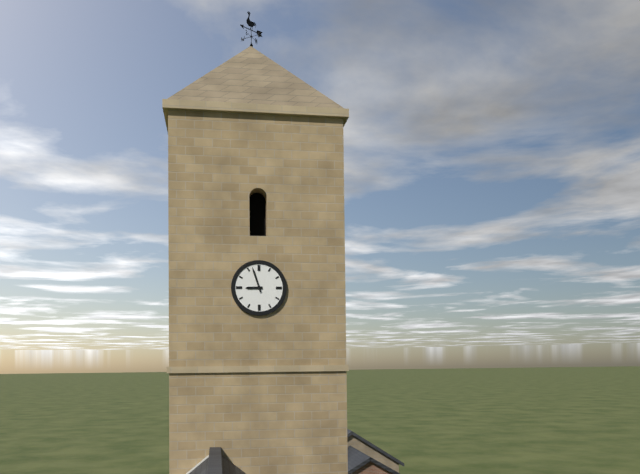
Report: 8 h 57 min
